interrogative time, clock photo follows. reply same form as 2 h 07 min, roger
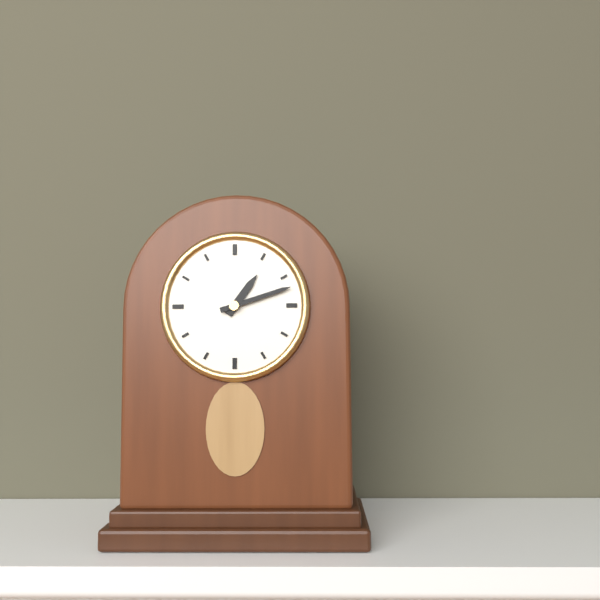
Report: 1 h 12 min
